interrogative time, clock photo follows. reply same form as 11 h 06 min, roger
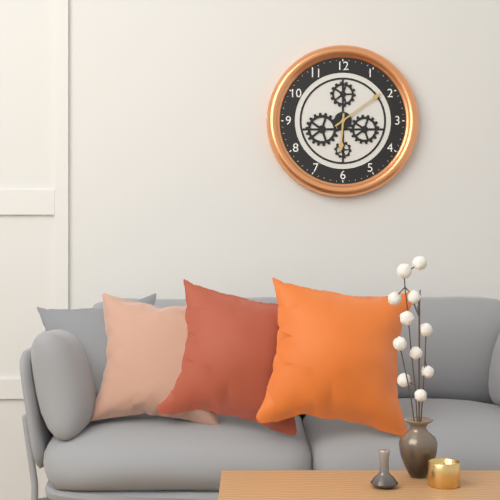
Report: 6 h 09 min
